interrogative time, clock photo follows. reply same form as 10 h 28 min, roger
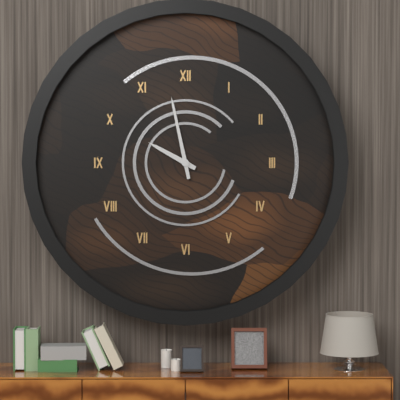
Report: 9 h 58 min
